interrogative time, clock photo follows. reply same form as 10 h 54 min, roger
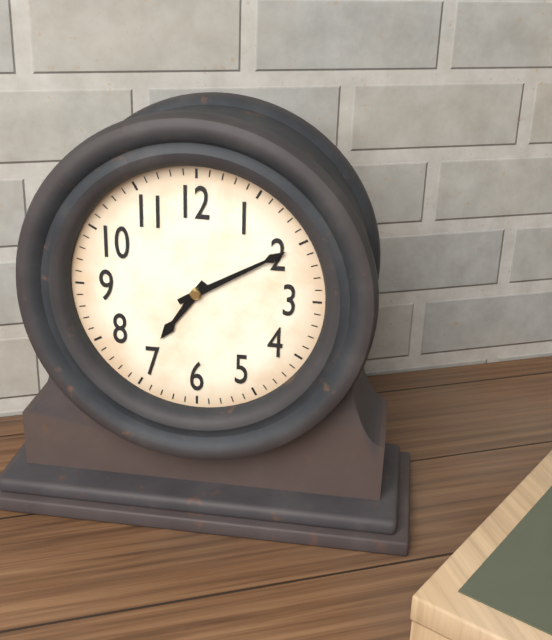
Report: 7 h 10 min
